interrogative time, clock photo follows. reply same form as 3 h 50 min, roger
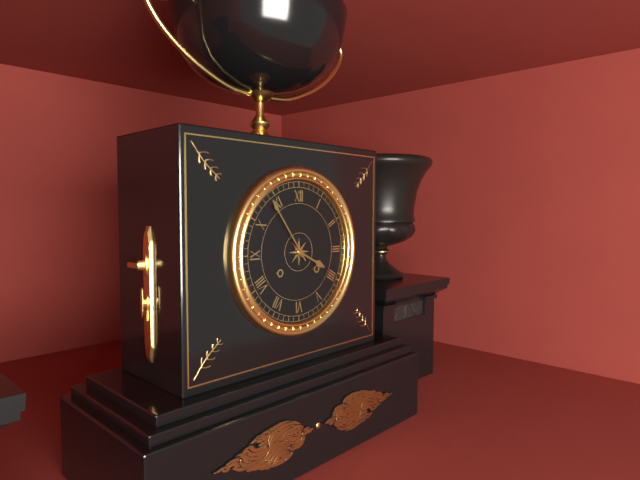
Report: 3 h 54 min
